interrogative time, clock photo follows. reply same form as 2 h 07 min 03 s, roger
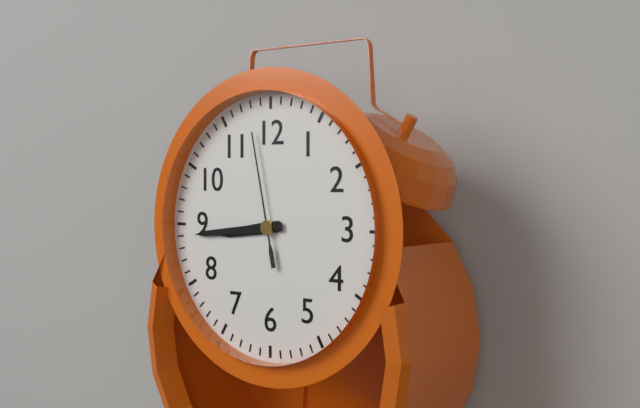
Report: 8 h 44 min 58 s
